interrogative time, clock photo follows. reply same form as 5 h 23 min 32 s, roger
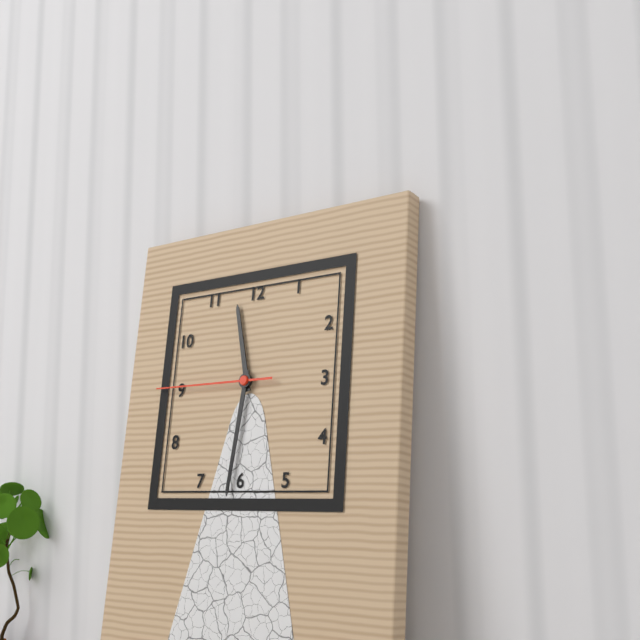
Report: 11 h 31 min 45 s
